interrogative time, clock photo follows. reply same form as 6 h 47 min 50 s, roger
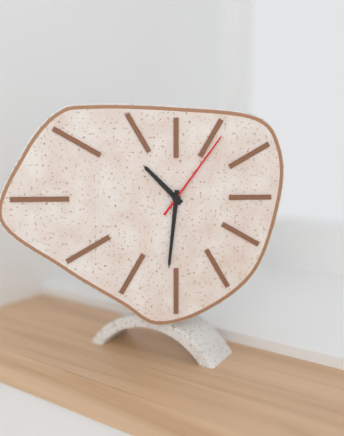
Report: 10 h 31 min 06 s
